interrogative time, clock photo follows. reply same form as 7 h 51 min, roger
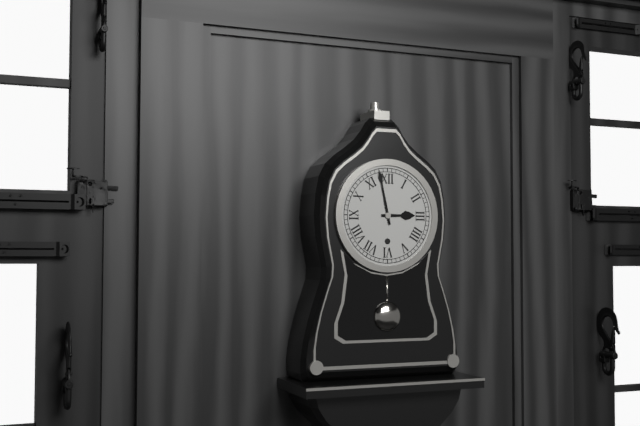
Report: 2 h 58 min
